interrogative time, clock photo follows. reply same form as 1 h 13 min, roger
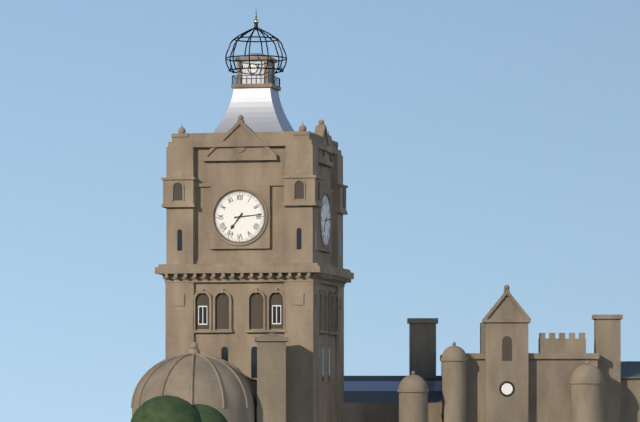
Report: 7 h 14 min
